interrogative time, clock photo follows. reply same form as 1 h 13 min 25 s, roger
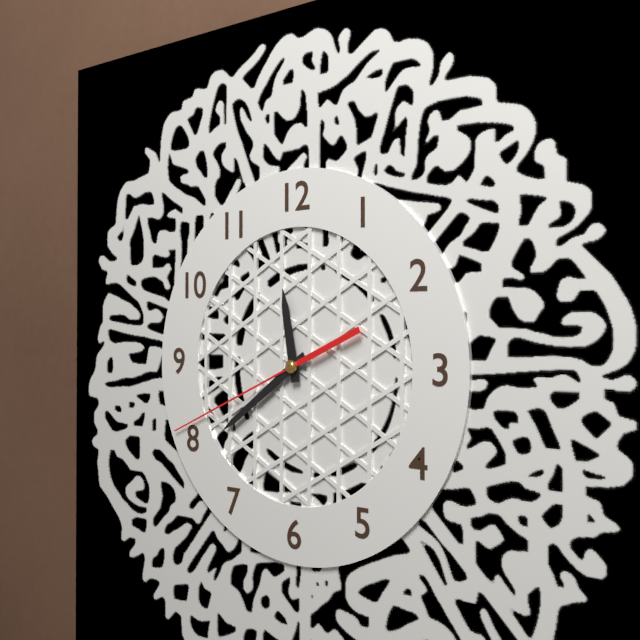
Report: 11 h 39 min 41 s
